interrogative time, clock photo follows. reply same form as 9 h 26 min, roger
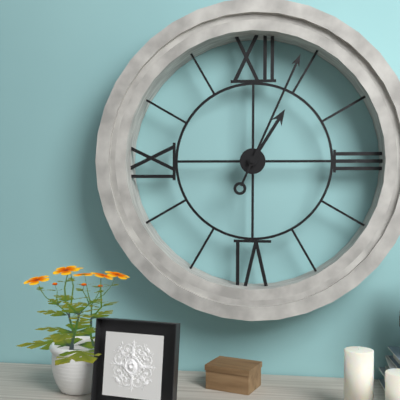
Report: 1 h 04 min
